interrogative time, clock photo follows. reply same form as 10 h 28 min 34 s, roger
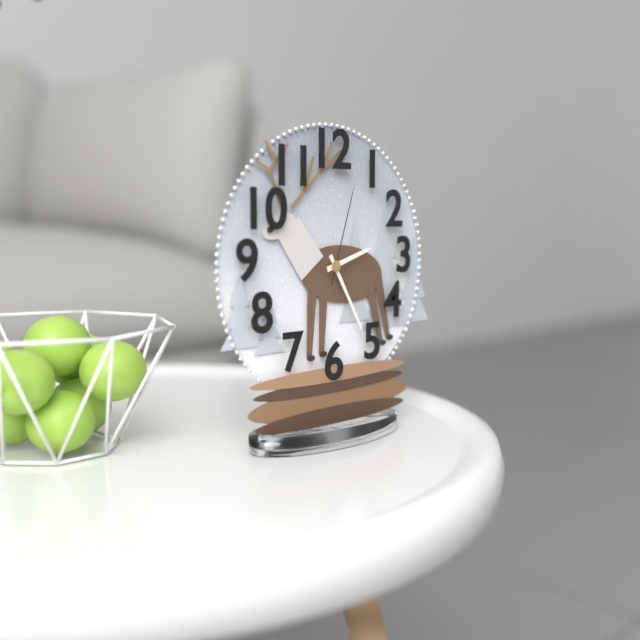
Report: 2 h 25 min 03 s
